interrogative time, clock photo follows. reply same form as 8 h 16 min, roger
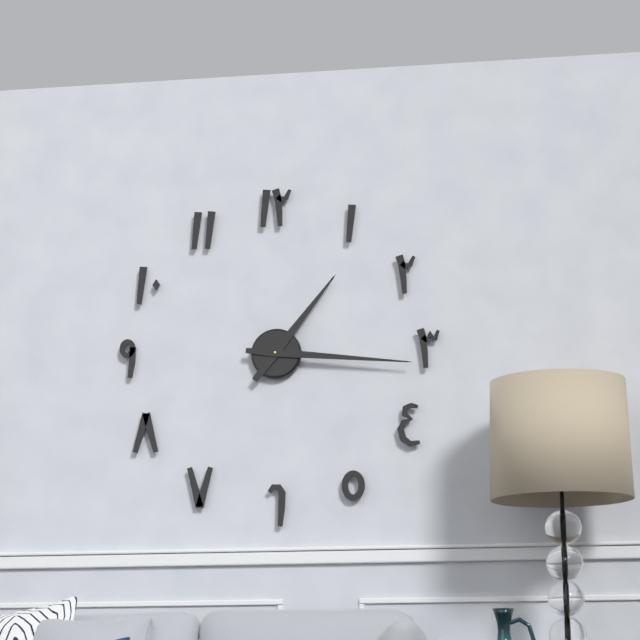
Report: 1 h 16 min
